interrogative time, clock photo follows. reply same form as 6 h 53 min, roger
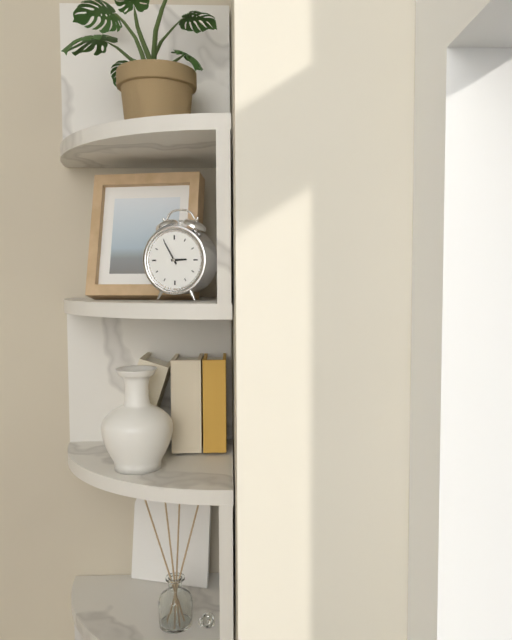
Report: 2 h 55 min
